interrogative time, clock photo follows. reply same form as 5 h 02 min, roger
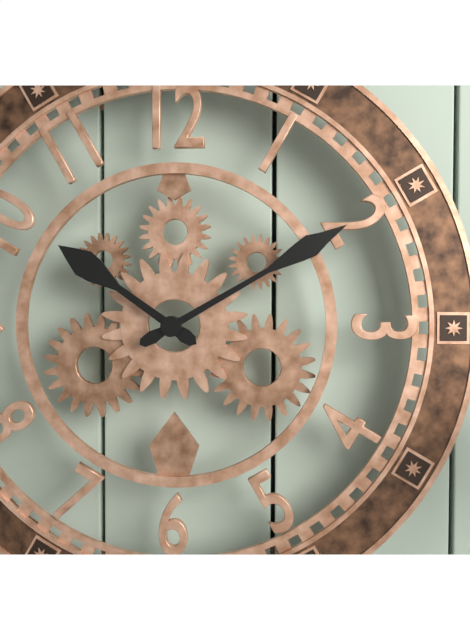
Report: 10 h 10 min
